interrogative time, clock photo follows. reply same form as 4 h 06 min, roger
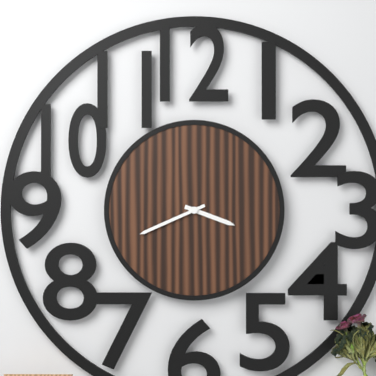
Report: 3 h 41 min
